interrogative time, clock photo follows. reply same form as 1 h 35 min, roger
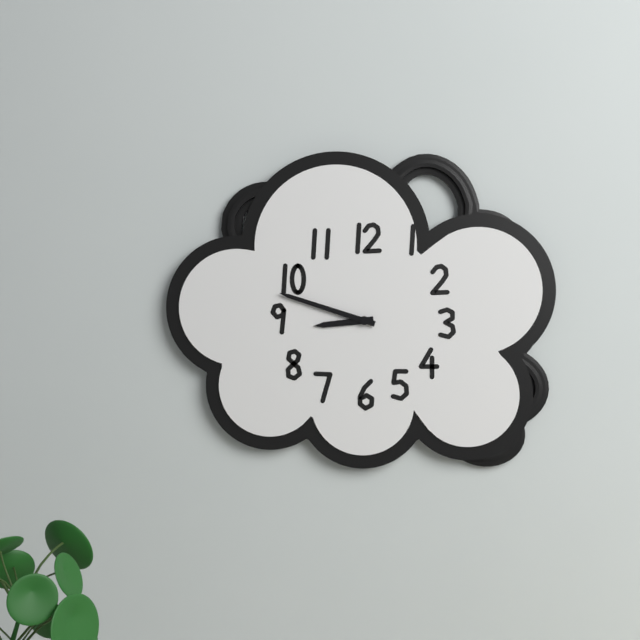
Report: 8 h 48 min
